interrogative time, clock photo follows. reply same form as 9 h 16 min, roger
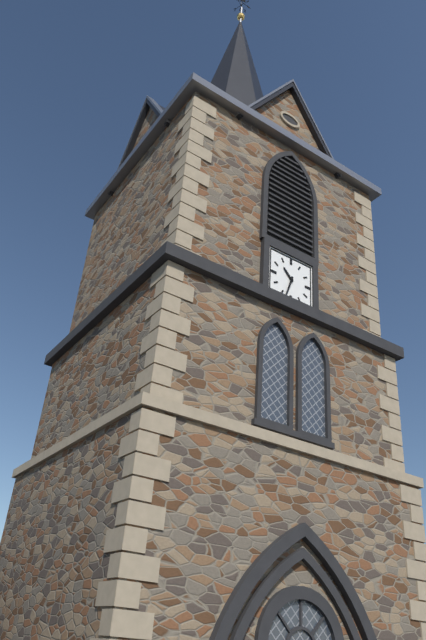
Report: 10 h 33 min
